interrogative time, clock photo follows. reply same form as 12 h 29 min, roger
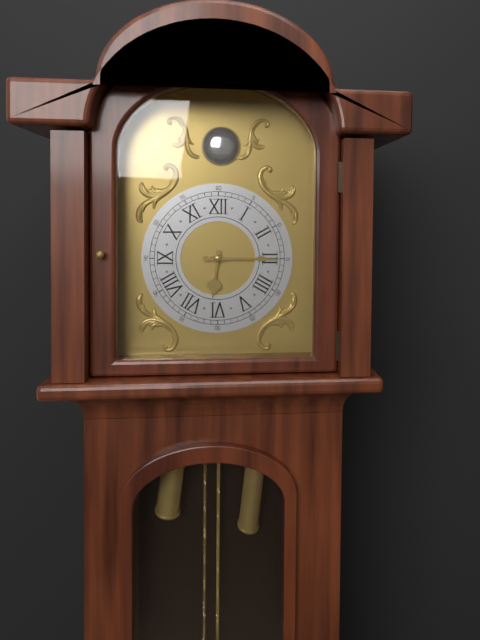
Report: 6 h 15 min
